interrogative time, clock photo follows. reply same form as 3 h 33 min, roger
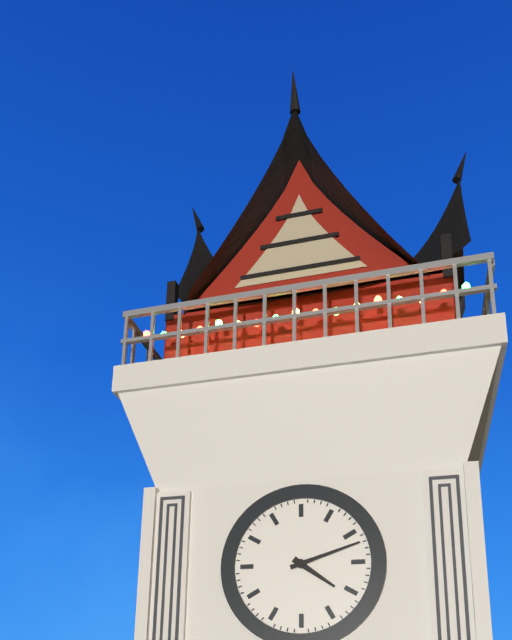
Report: 4 h 12 min
